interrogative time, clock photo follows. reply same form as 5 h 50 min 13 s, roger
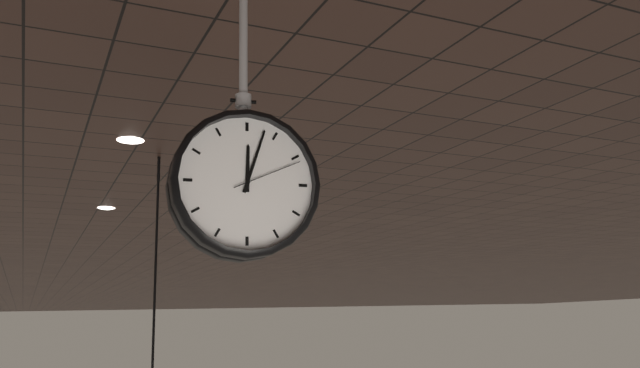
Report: 12 h 03 min 11 s
